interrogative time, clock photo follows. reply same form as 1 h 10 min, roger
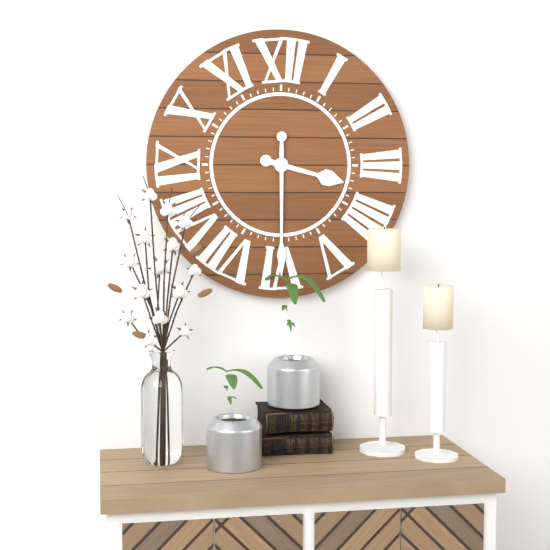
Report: 3 h 30 min
